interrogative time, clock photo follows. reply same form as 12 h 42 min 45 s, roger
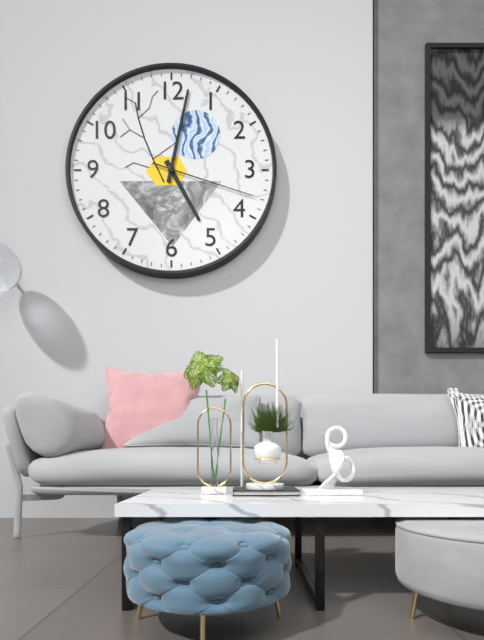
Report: 5 h 02 min 18 s
